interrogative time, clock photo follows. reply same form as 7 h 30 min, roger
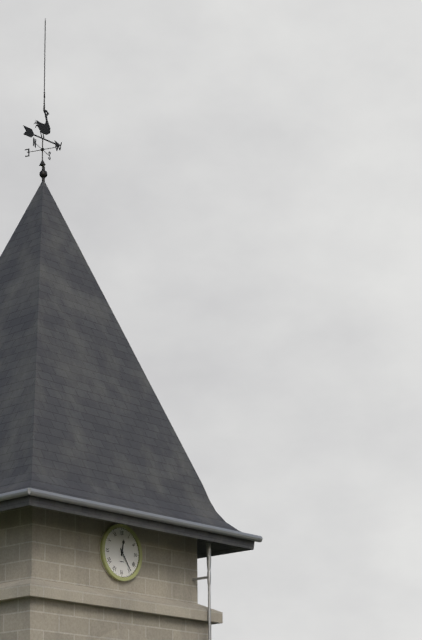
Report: 12 h 24 min
